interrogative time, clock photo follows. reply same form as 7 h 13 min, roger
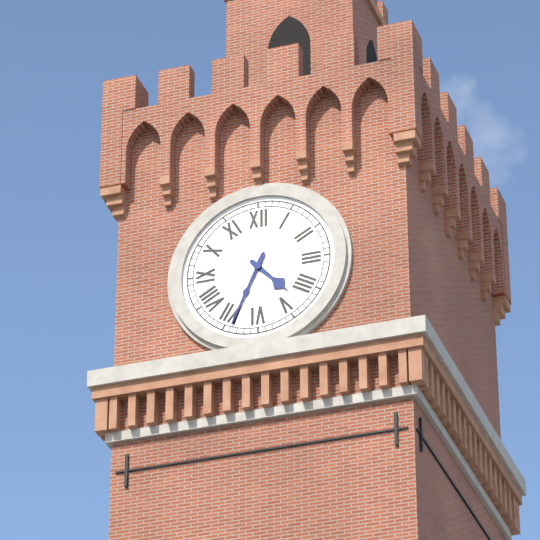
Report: 4 h 34 min
